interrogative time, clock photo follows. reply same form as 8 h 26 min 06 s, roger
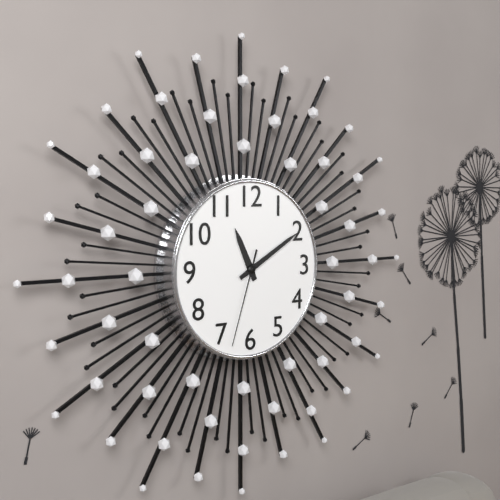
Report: 11 h 10 min 33 s
